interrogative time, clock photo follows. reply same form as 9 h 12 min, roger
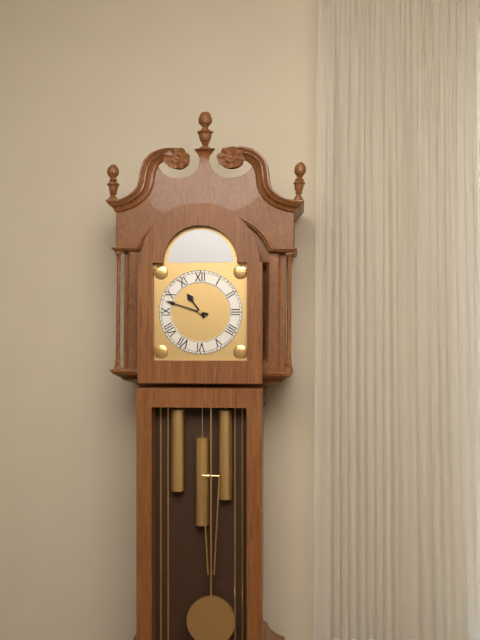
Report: 10 h 48 min
